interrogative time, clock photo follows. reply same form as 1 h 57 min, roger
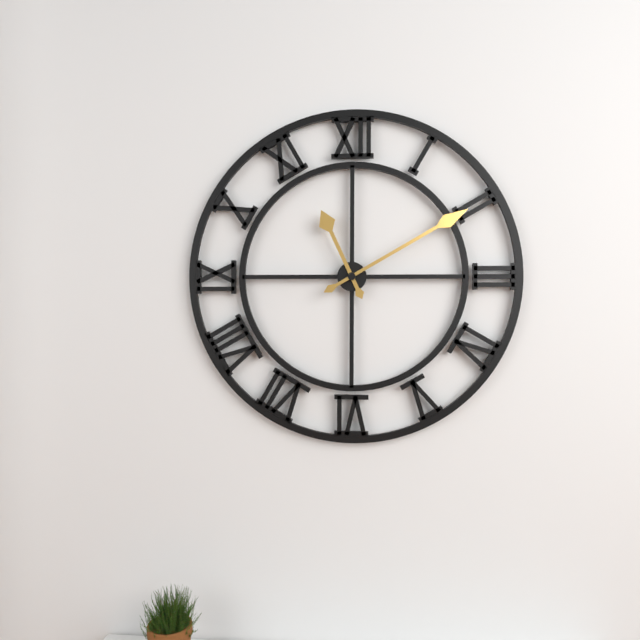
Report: 11 h 10 min
